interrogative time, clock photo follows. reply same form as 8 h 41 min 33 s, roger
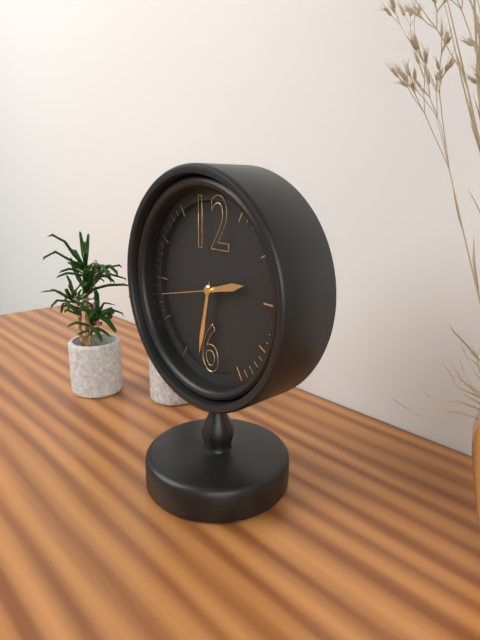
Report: 2 h 32 min 43 s
